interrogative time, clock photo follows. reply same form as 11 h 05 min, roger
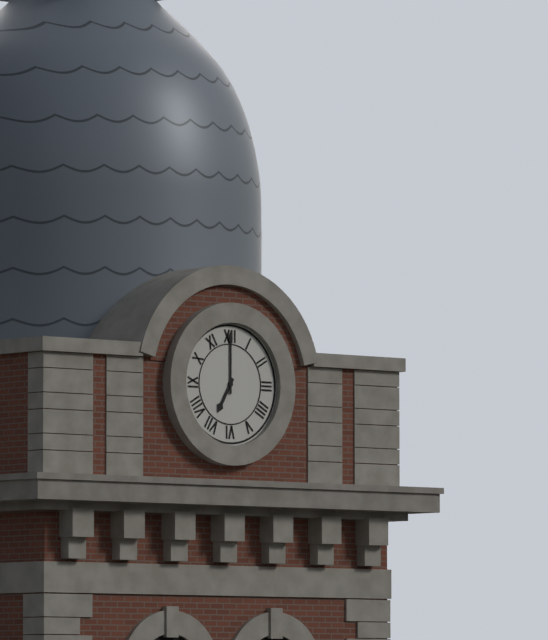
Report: 7 h 00 min
